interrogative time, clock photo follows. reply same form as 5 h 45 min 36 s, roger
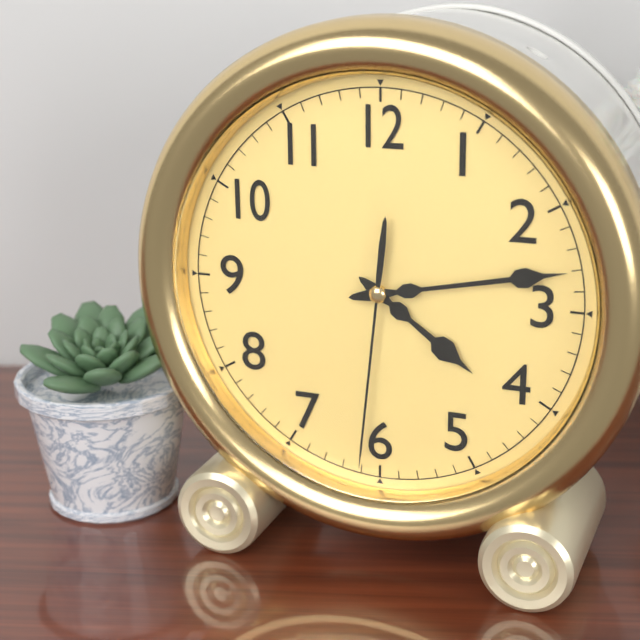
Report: 4 h 13 min 31 s
